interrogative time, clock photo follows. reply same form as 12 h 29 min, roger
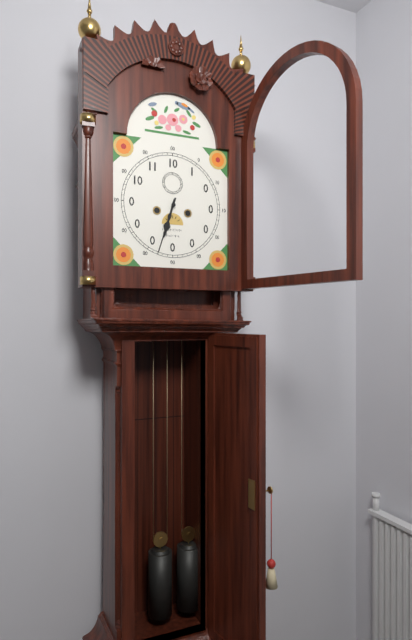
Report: 6 h 33 min
